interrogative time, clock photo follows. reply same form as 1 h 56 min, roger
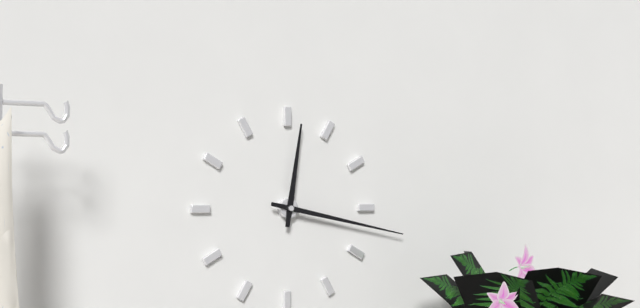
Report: 12 h 17 min
